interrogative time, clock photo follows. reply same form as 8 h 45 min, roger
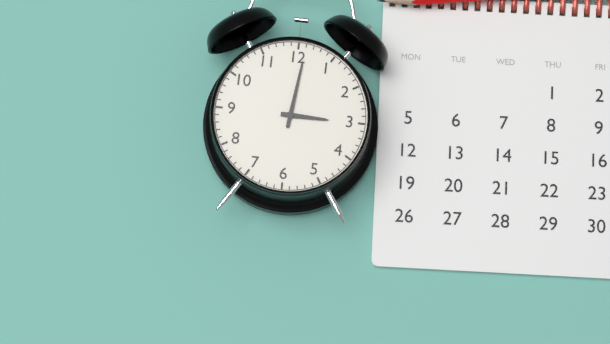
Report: 3 h 01 min
